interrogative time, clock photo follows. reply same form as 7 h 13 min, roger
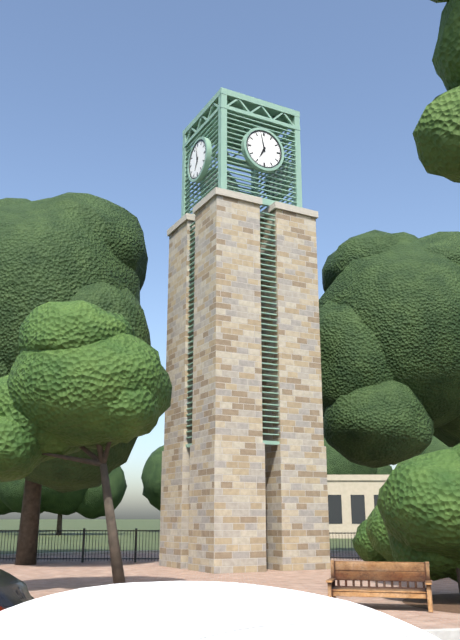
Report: 6 h 58 min
